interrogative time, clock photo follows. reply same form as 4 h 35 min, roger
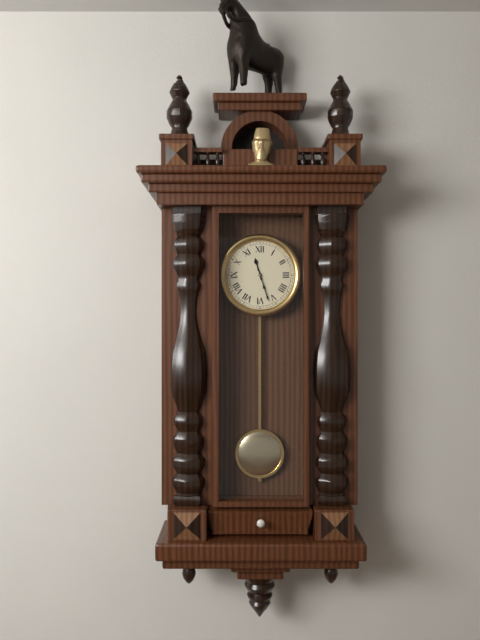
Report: 11 h 27 min
